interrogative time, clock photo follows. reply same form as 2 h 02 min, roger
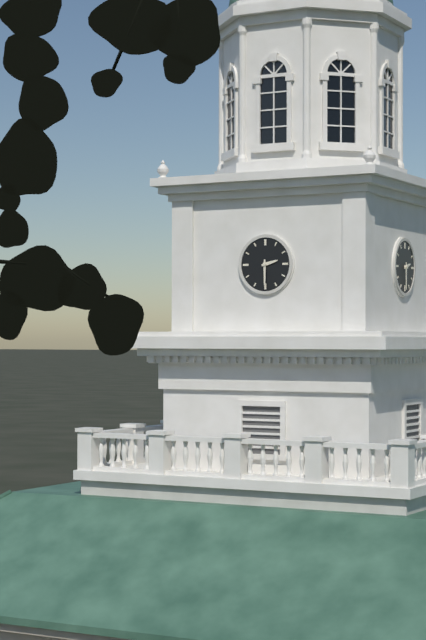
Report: 2 h 30 min
